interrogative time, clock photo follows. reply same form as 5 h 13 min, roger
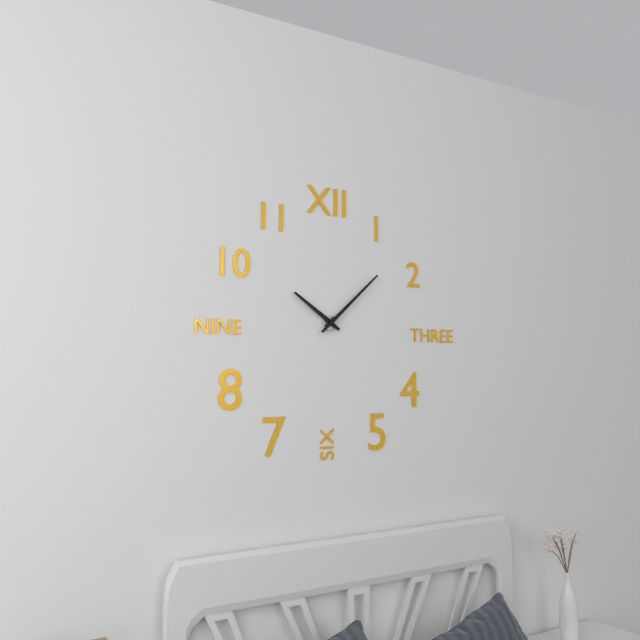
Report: 10 h 08 min
